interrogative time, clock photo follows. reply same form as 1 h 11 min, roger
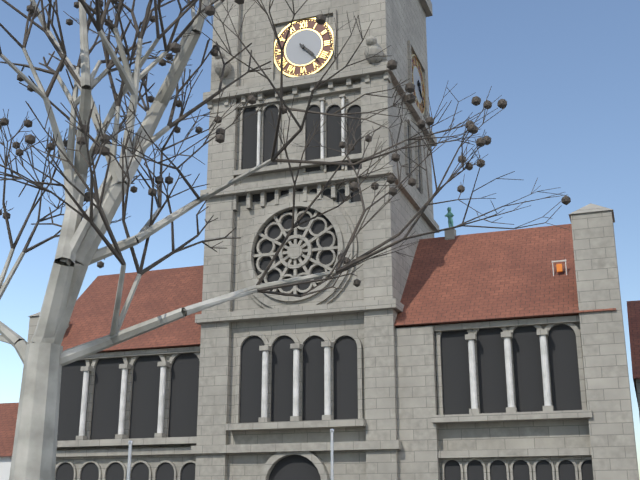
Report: 4 h 23 min
